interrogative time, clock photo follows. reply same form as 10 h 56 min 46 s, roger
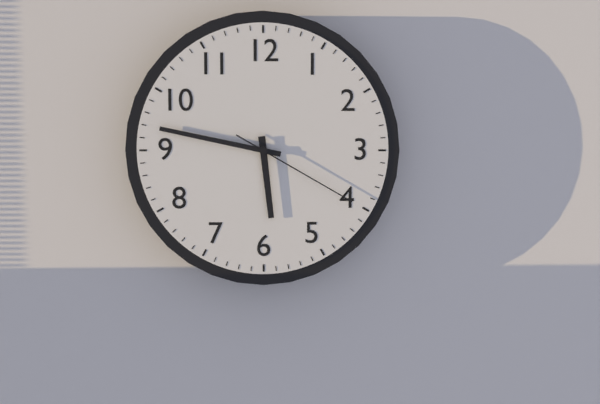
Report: 5 h 47 min 20 s
